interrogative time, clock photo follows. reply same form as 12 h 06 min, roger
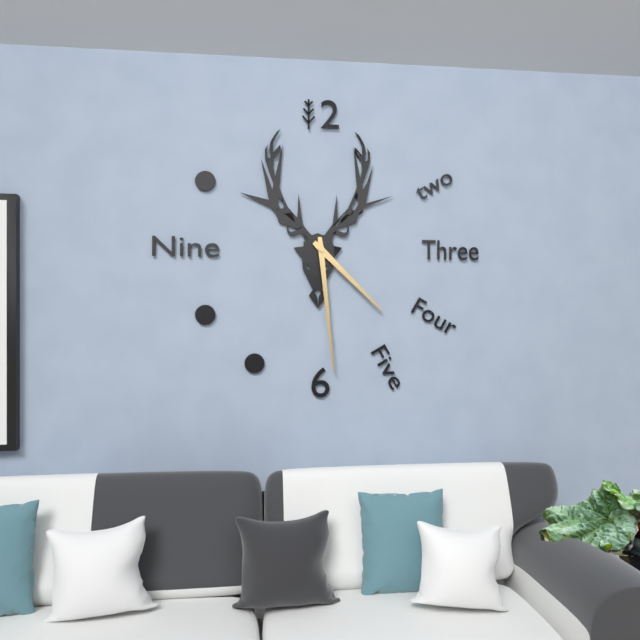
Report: 4 h 29 min
